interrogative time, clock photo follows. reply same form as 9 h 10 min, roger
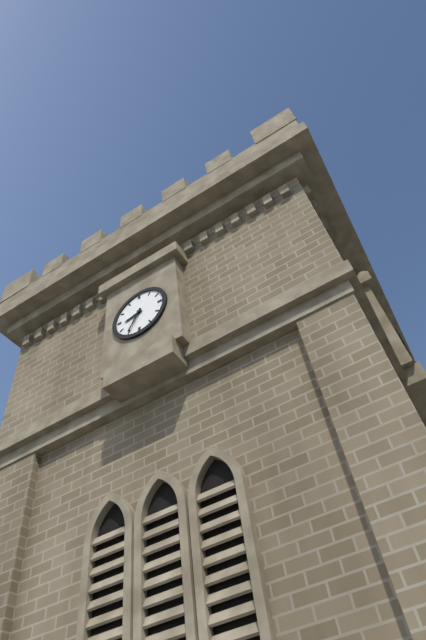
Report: 8 h 35 min
